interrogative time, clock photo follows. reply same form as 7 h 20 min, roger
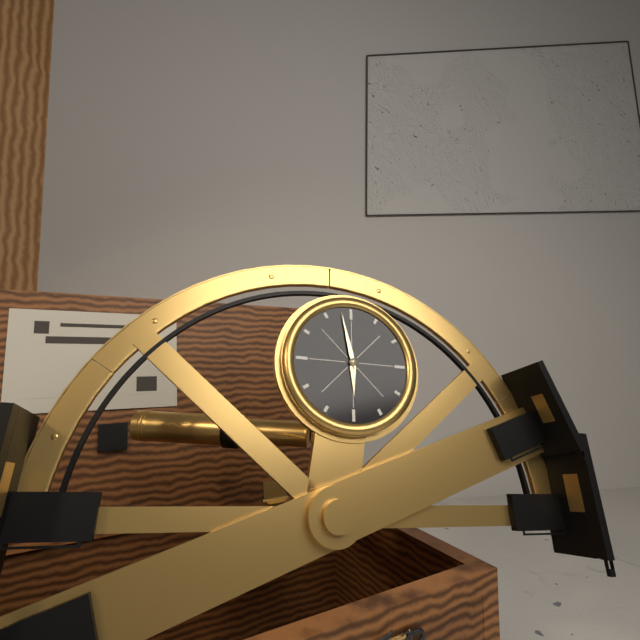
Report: 5 h 58 min
